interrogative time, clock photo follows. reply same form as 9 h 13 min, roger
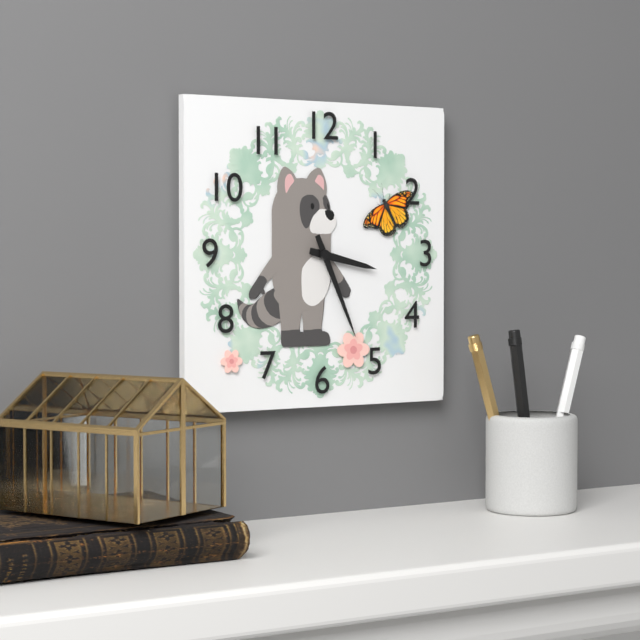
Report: 3 h 26 min
